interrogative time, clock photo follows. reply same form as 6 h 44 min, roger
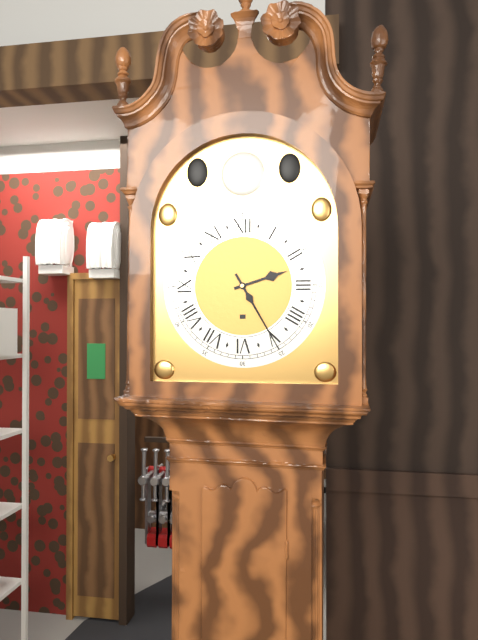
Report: 2 h 25 min
